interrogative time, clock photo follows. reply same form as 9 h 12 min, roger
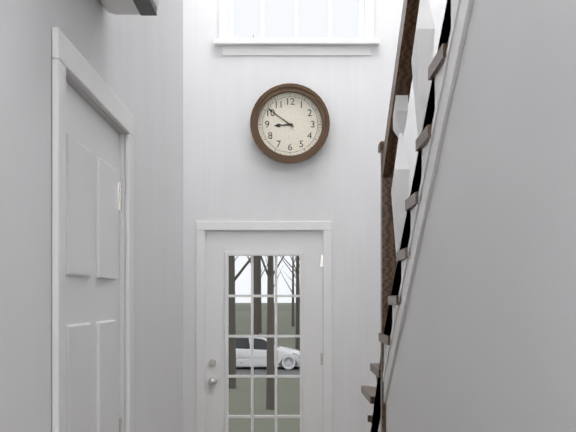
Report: 8 h 51 min
